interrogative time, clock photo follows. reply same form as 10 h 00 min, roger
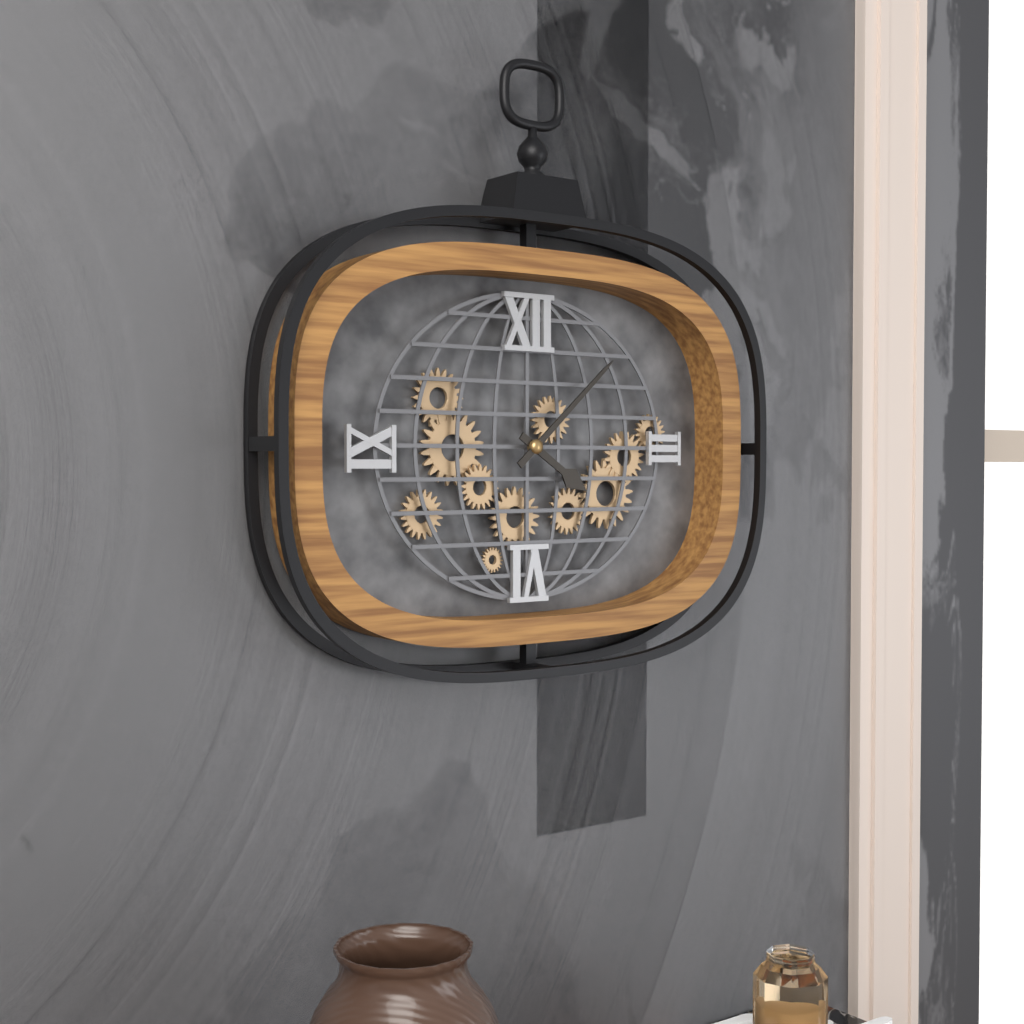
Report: 4 h 08 min
